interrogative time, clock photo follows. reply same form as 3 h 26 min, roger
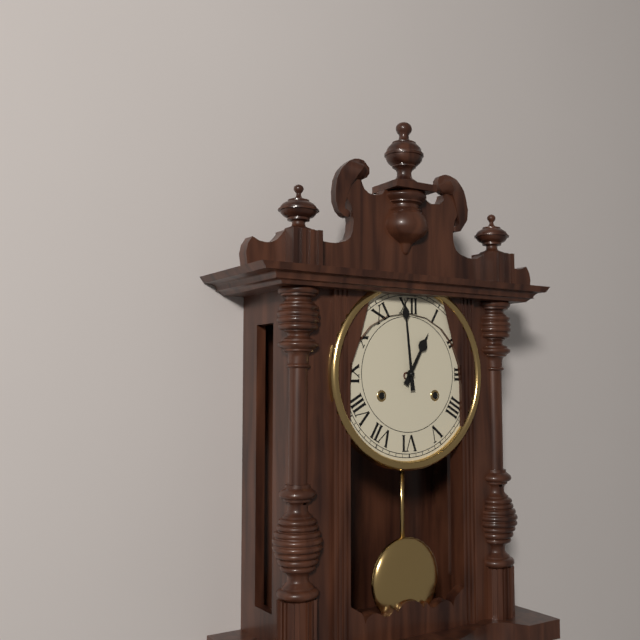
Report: 12 h 59 min
